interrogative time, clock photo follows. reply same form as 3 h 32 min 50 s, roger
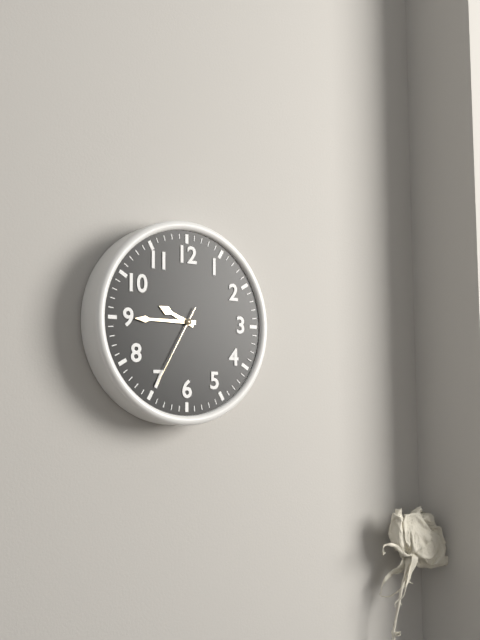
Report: 9 h 45 min 35 s
